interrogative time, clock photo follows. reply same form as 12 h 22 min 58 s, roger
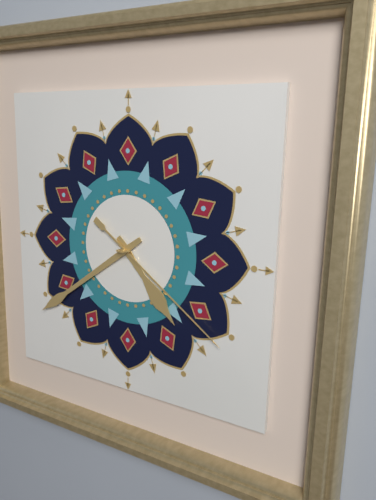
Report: 4 h 39 min 21 s
